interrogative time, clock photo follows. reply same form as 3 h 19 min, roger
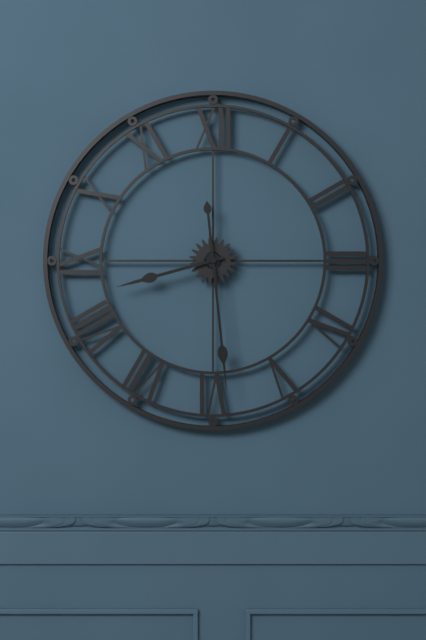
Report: 8 h 29 min
